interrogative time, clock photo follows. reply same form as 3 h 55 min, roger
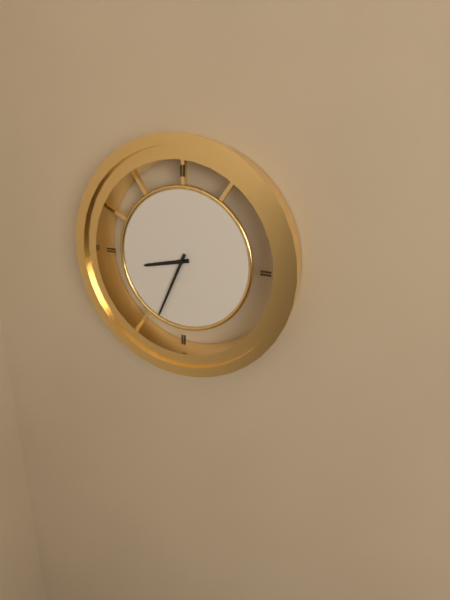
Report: 8 h 34 min
